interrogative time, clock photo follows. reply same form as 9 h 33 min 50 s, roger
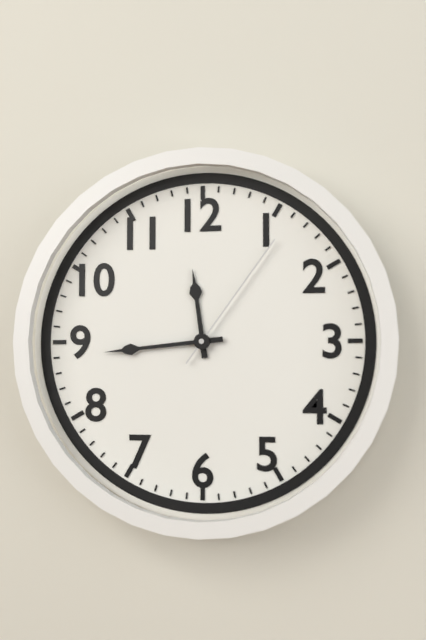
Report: 11 h 44 min 06 s
